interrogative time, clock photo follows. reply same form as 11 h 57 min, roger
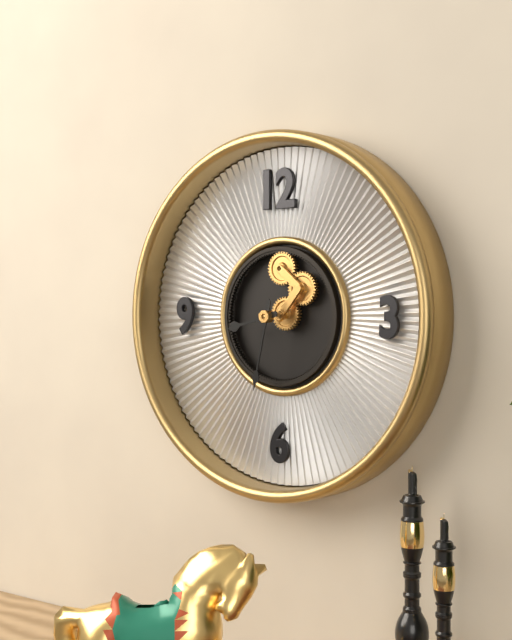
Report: 8 h 32 min
